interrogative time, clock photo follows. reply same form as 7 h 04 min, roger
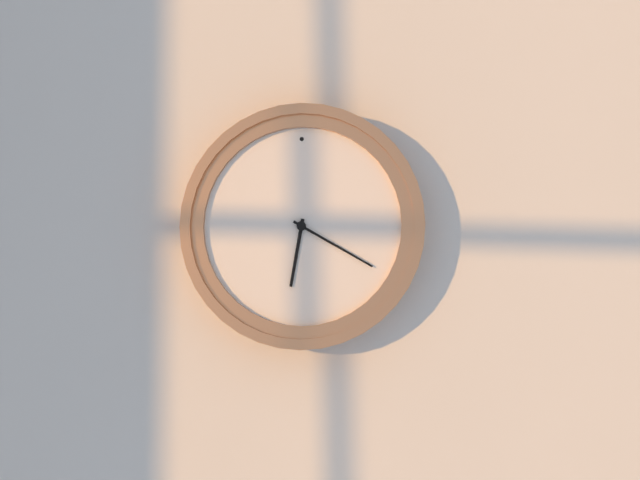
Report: 6 h 20 min
